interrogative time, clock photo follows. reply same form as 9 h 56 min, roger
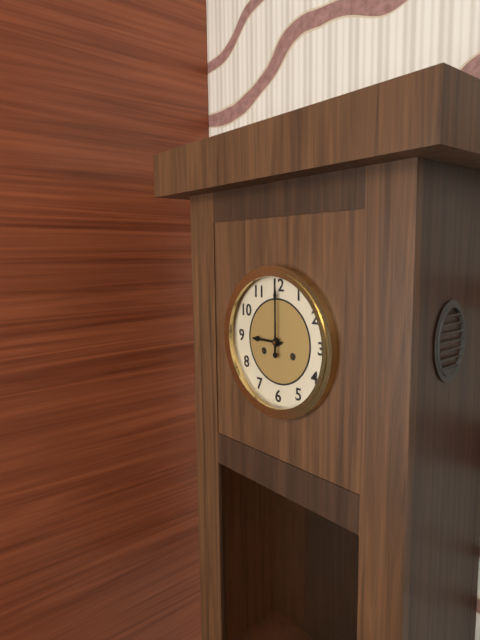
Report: 9 h 00 min
